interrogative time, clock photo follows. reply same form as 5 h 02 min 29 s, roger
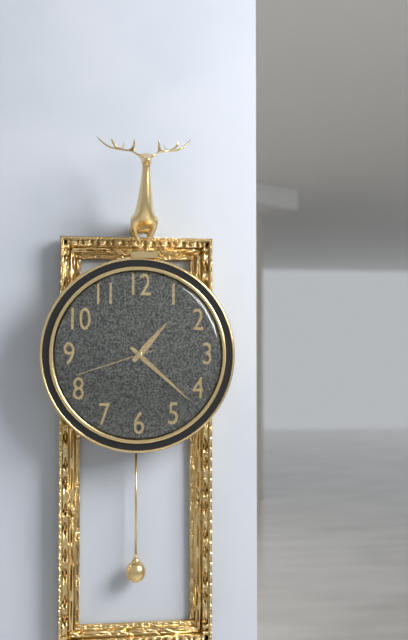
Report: 1 h 22 min 42 s
